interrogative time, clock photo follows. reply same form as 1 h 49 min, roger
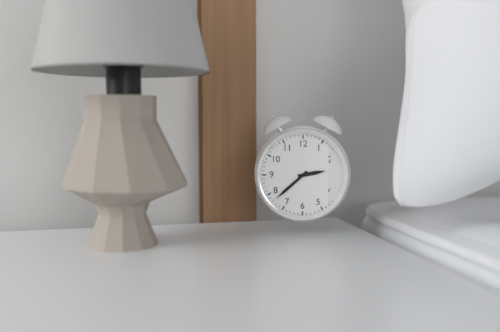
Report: 2 h 38 min
